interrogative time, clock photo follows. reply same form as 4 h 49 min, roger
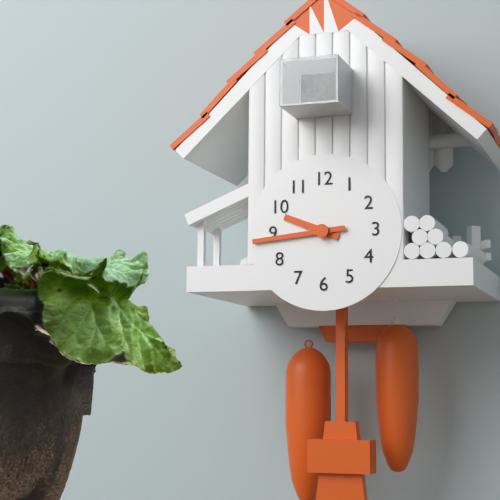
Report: 9 h 44 min
